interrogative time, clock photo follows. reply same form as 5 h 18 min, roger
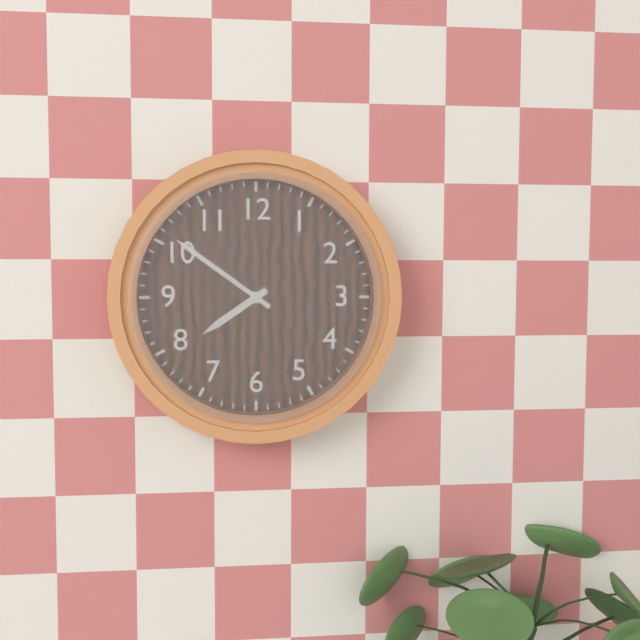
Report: 7 h 51 min
